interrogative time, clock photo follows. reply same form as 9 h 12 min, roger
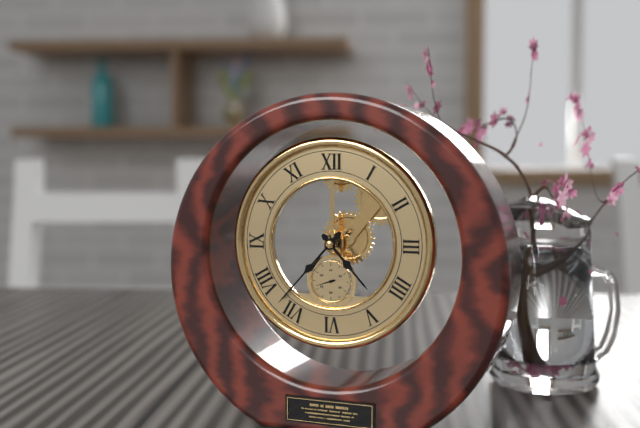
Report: 4 h 37 min
